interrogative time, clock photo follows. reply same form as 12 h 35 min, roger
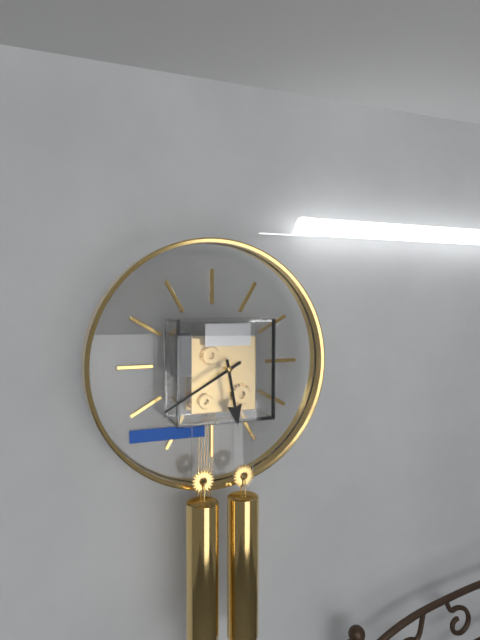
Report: 5 h 40 min
